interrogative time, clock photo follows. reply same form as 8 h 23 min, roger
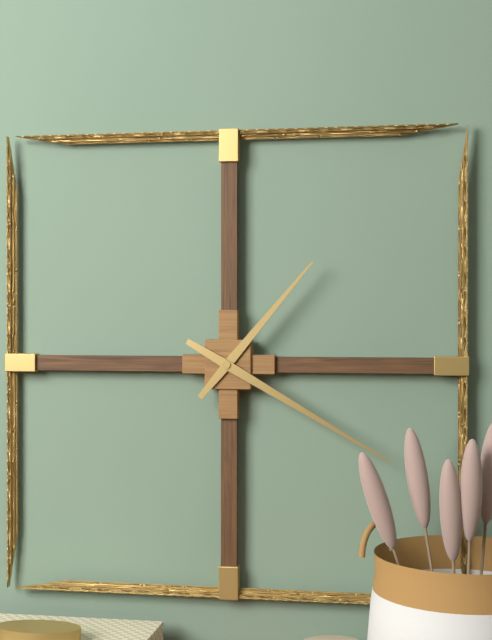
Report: 1 h 20 min
